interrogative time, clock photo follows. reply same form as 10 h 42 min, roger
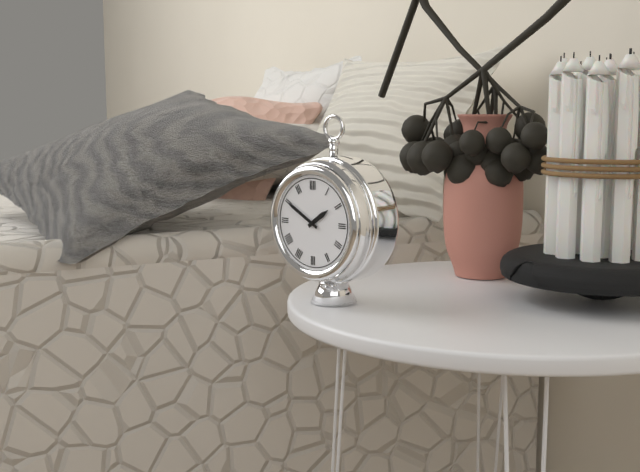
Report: 1 h 50 min
